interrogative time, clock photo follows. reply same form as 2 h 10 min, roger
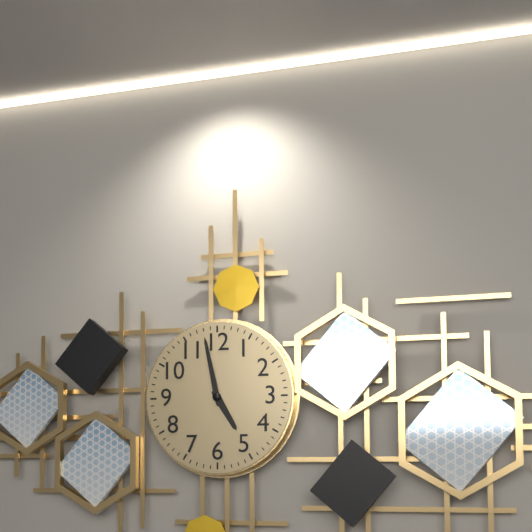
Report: 4 h 58 min
